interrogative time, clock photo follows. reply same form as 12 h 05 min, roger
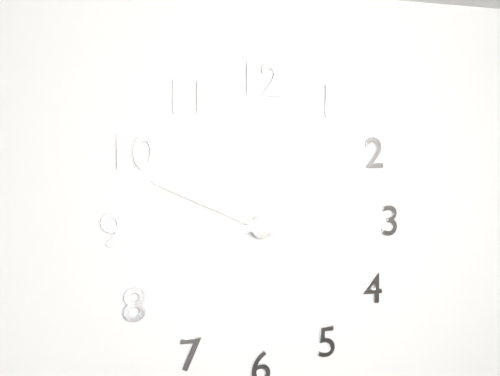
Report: 8 h 49 min
